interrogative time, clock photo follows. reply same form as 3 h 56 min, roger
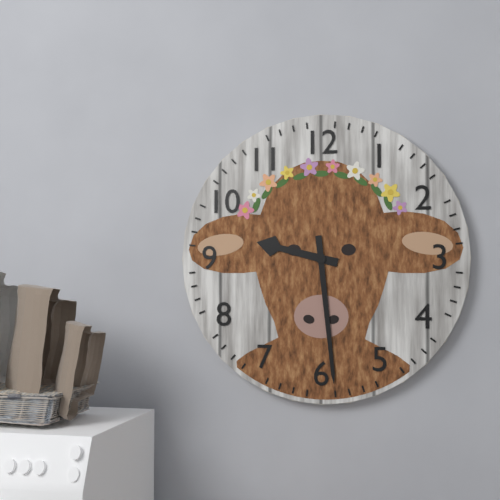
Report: 9 h 29 min
